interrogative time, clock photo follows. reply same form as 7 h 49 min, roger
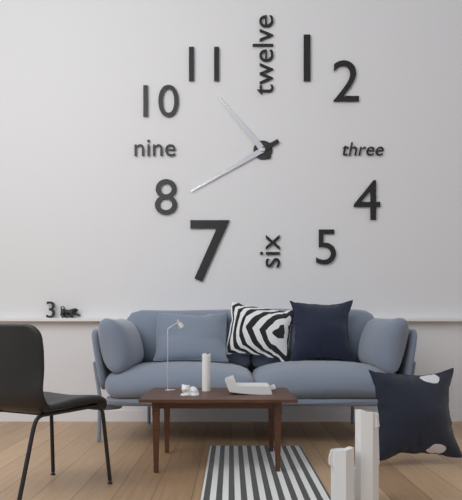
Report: 10 h 40 min
